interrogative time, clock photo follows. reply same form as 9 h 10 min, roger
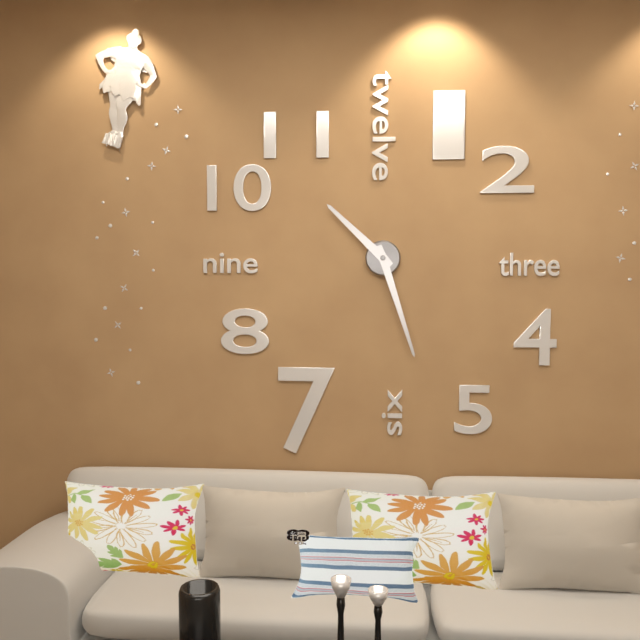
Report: 10 h 27 min
